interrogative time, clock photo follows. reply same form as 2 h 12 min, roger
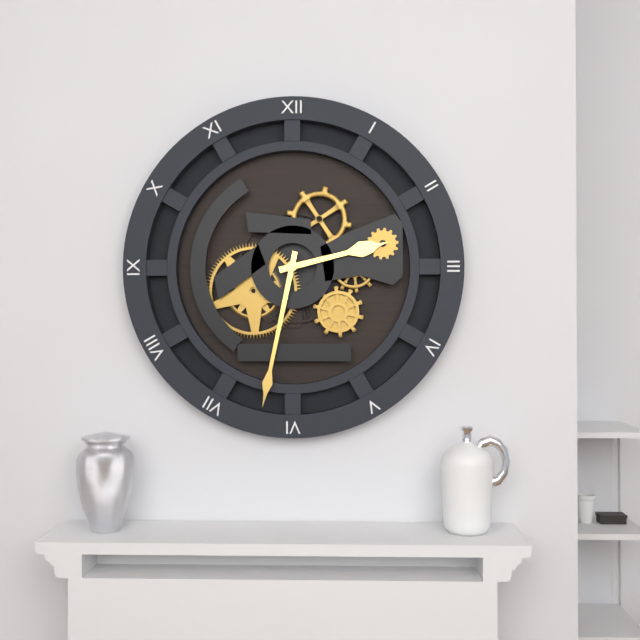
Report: 2 h 32 min
